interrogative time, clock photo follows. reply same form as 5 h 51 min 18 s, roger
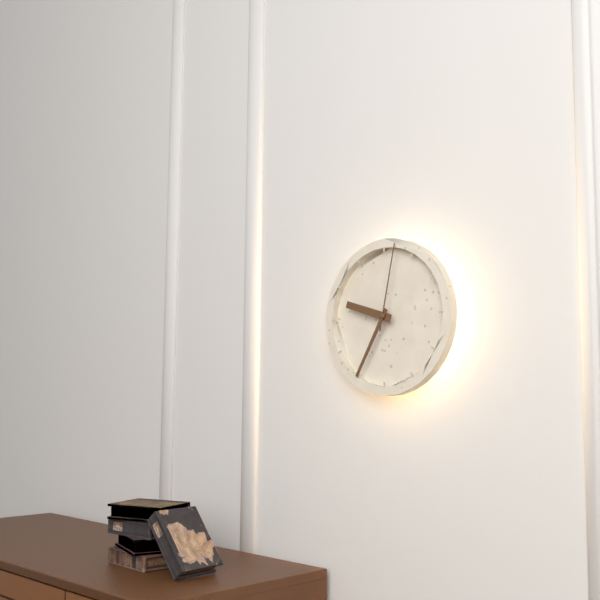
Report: 9 h 35 min 02 s
